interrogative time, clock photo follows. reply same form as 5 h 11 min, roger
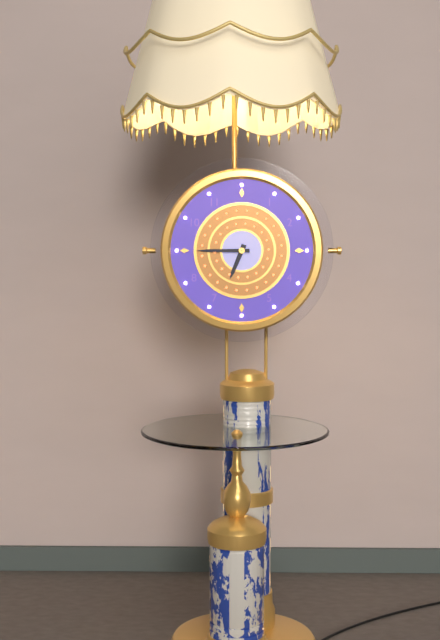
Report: 6 h 45 min
